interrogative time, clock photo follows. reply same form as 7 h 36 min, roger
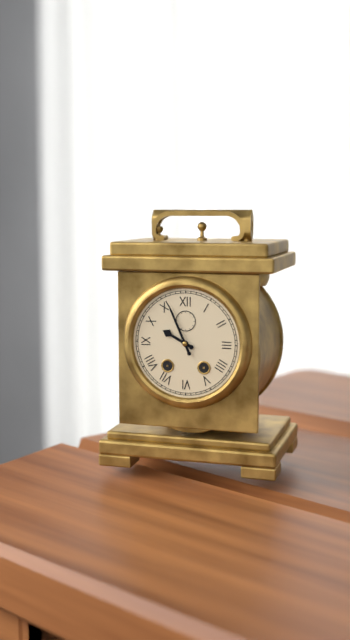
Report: 9 h 56 min
